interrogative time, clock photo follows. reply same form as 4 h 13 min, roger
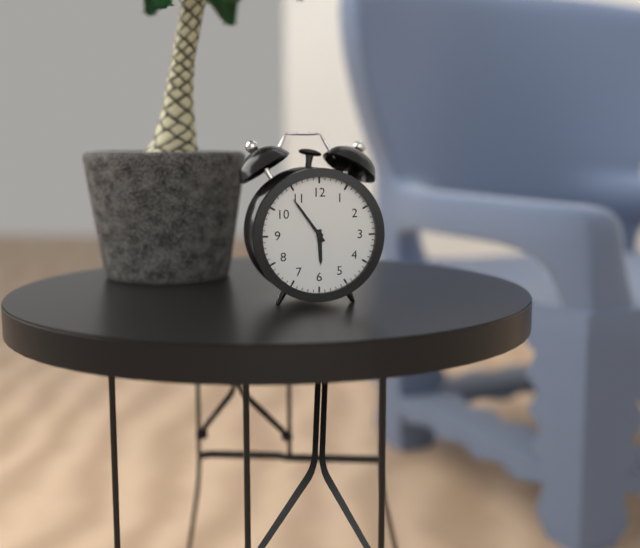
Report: 5 h 54 min
